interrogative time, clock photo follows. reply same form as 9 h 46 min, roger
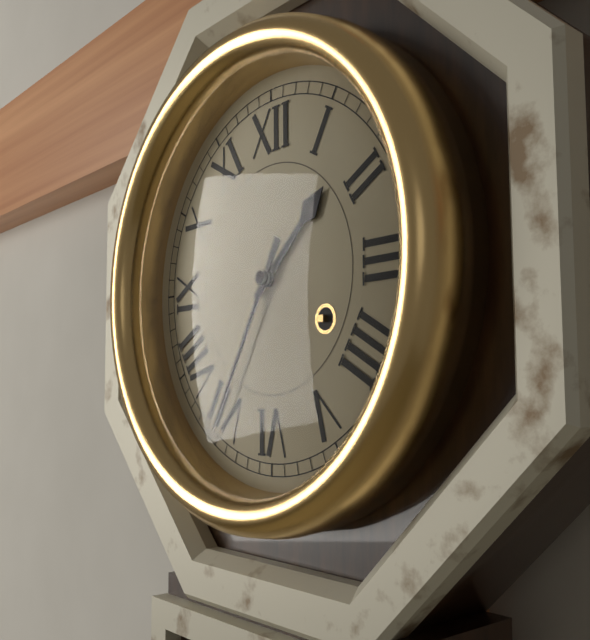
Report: 1 h 35 min
